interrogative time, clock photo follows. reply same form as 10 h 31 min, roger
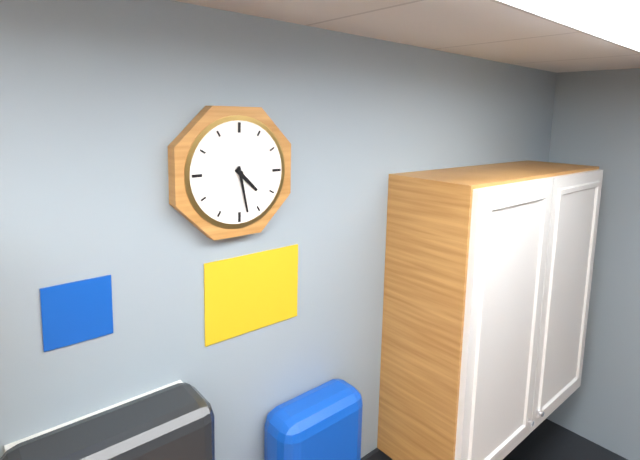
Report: 4 h 28 min
